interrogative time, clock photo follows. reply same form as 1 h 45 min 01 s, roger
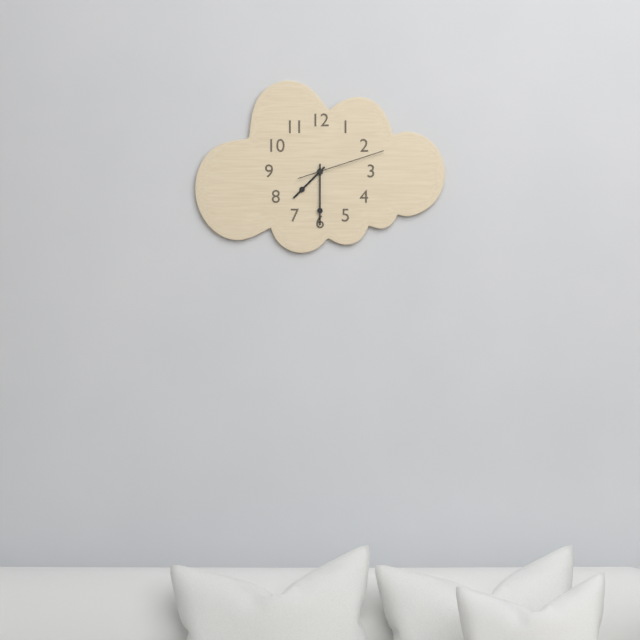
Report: 7 h 30 min 12 s
